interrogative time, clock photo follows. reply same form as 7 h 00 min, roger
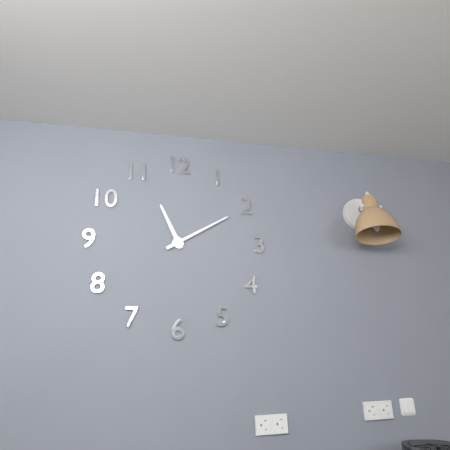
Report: 11 h 10 min
